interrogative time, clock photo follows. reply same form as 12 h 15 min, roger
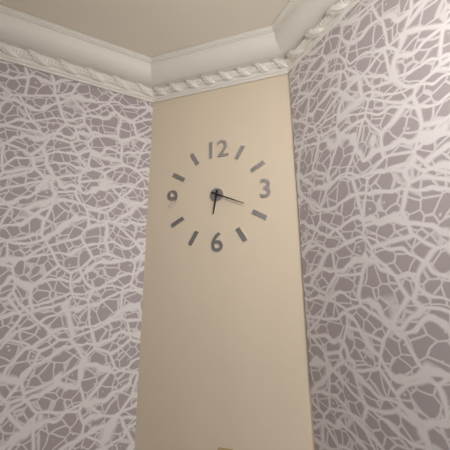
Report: 6 h 19 min
